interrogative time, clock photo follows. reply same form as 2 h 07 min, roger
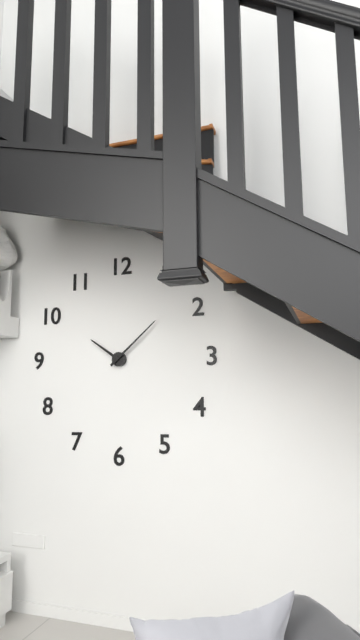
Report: 10 h 08 min
